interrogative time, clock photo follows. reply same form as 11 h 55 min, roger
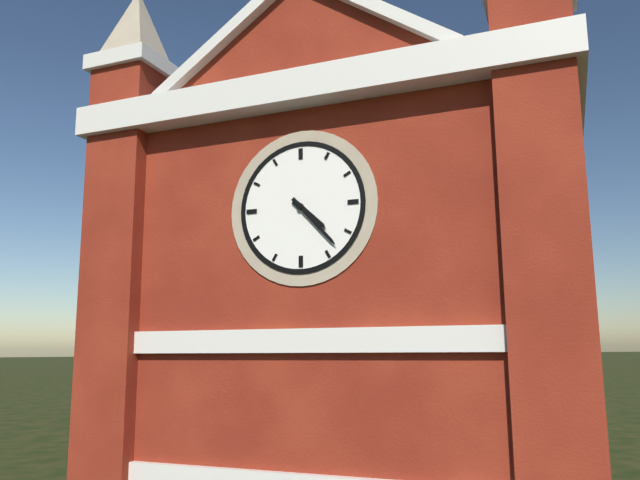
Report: 4 h 23 min
